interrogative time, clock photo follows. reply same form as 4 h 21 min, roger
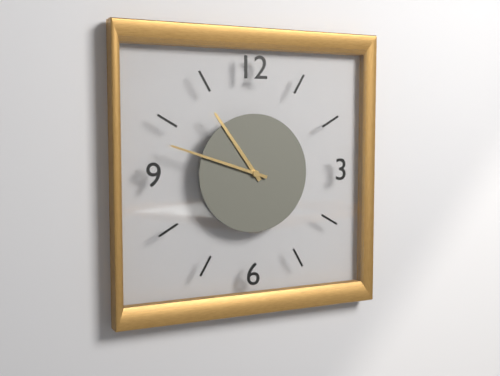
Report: 10 h 48 min
